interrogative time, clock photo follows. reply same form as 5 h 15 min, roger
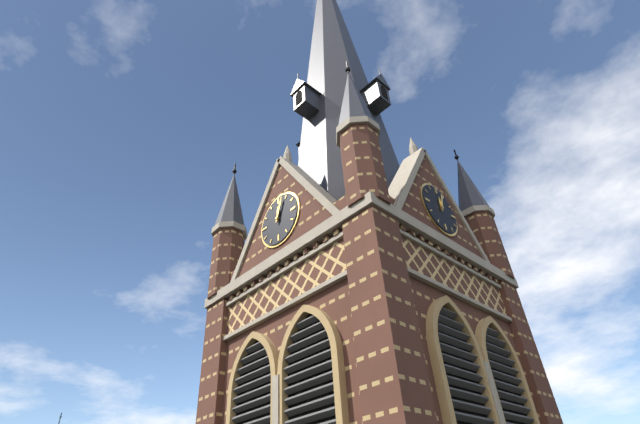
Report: 12 h 03 min
